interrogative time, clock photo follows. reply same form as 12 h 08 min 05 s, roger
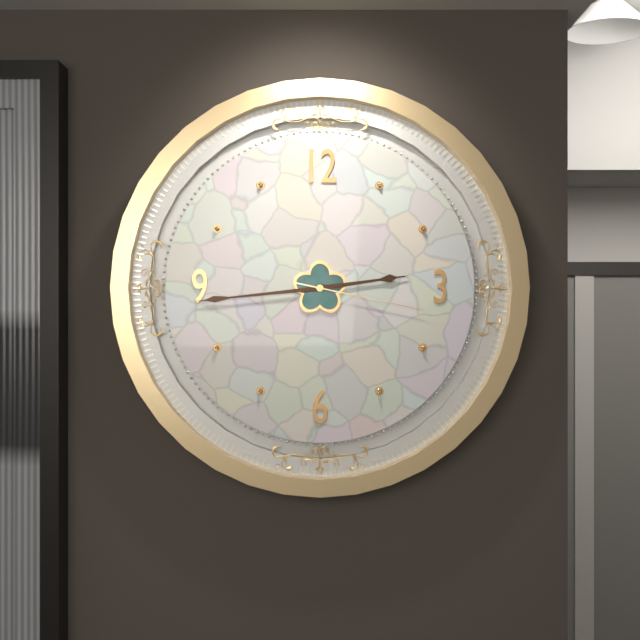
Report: 2 h 44 min 17 s
